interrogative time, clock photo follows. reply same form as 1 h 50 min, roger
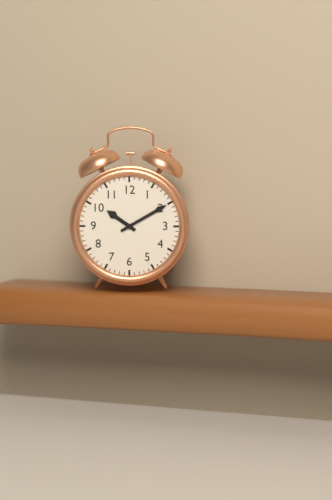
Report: 10 h 10 min
